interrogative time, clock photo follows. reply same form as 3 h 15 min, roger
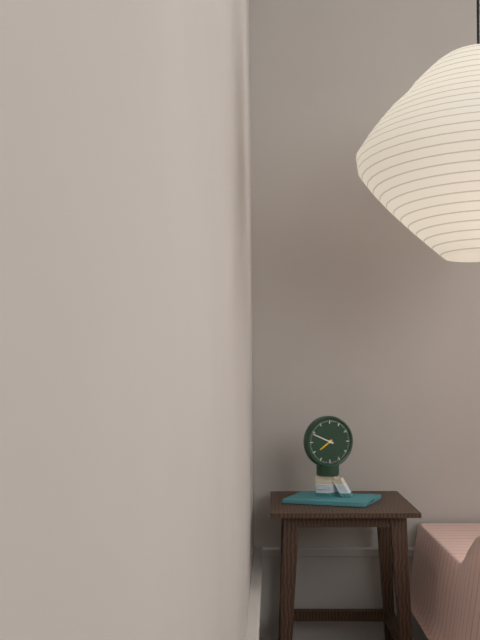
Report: 7 h 49 min
